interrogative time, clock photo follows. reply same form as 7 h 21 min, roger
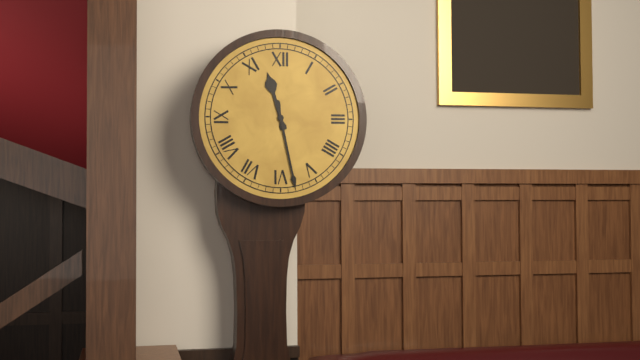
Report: 11 h 28 min
